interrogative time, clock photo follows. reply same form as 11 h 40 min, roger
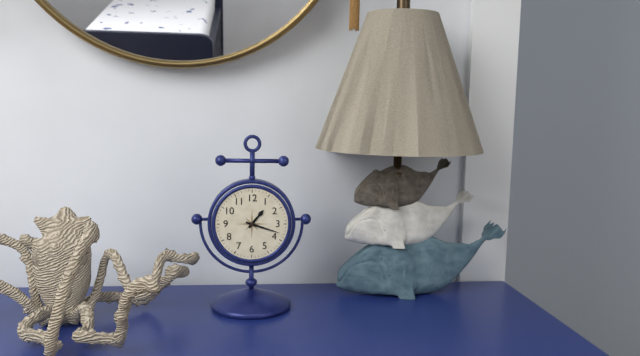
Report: 1 h 18 min
